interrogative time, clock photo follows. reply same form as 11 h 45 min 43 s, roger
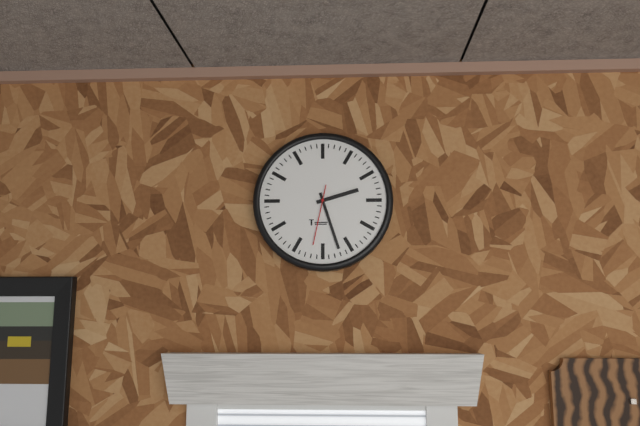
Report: 2 h 27 min 32 s
